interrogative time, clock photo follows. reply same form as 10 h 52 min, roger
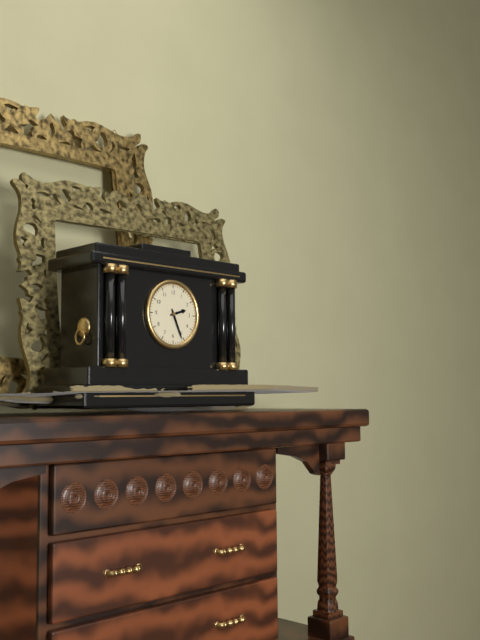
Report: 2 h 26 min
